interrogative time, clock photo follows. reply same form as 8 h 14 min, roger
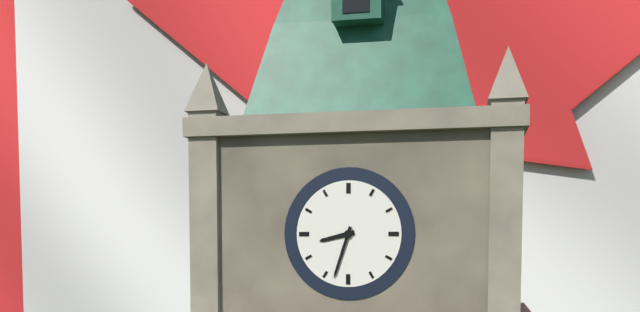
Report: 8 h 33 min
